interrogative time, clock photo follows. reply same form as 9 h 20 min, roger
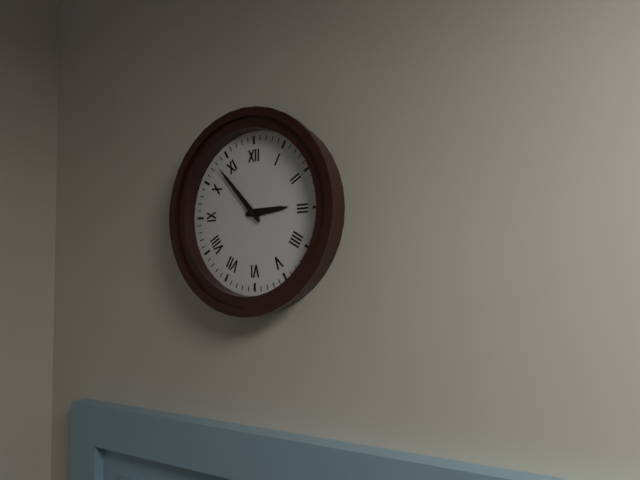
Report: 2 h 53 min
